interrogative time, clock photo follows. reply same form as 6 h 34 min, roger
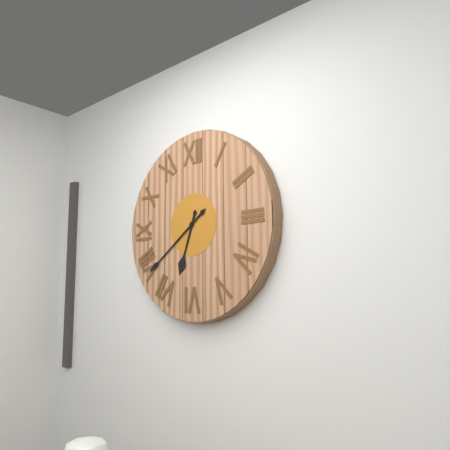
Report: 6 h 39 min
